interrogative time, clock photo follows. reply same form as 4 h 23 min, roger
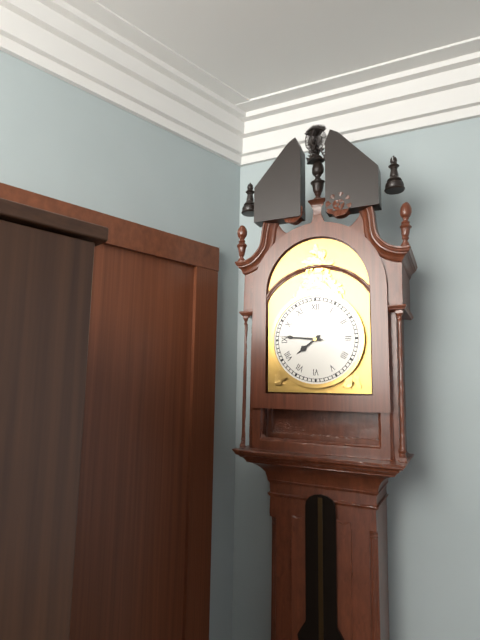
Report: 7 h 46 min
